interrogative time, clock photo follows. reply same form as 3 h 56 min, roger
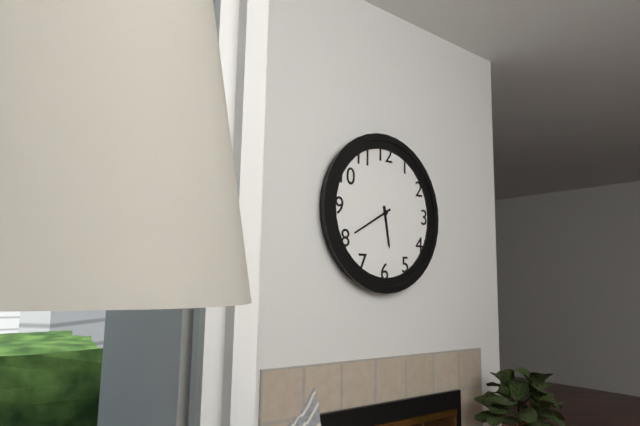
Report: 5 h 40 min
